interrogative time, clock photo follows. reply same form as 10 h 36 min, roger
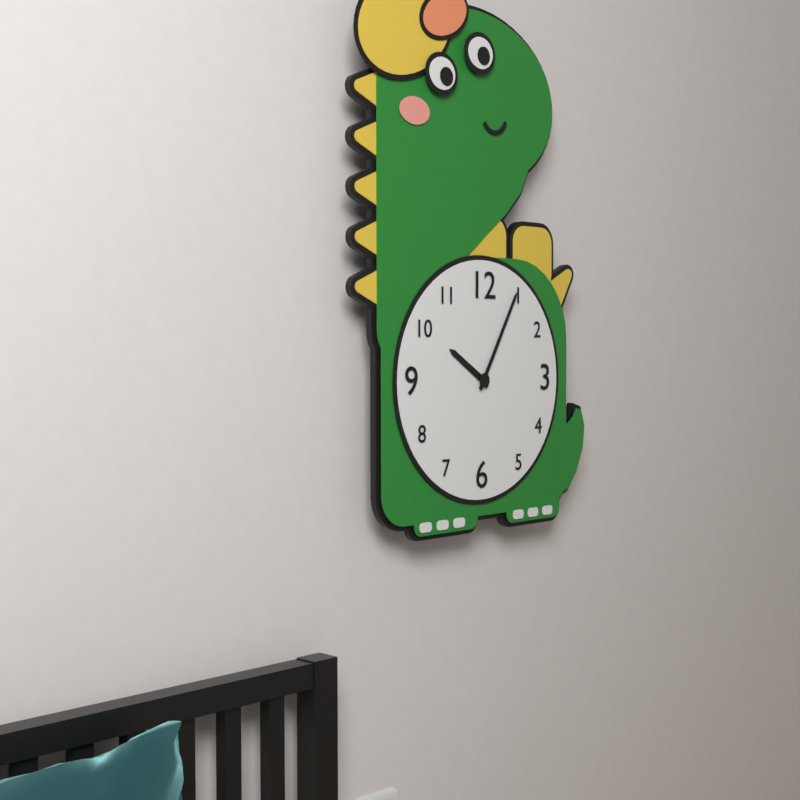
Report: 10 h 05 min
